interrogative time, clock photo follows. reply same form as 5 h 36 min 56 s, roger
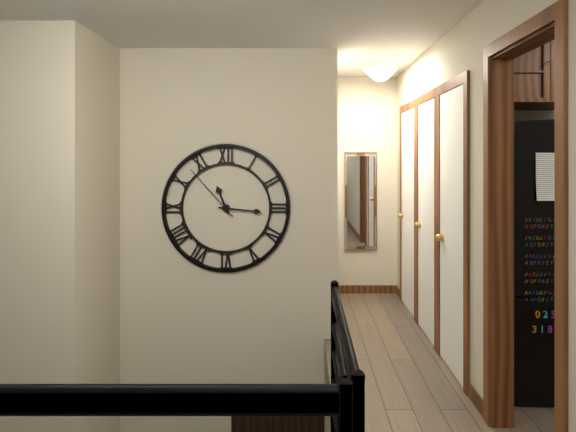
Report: 11 h 16 min 53 s
